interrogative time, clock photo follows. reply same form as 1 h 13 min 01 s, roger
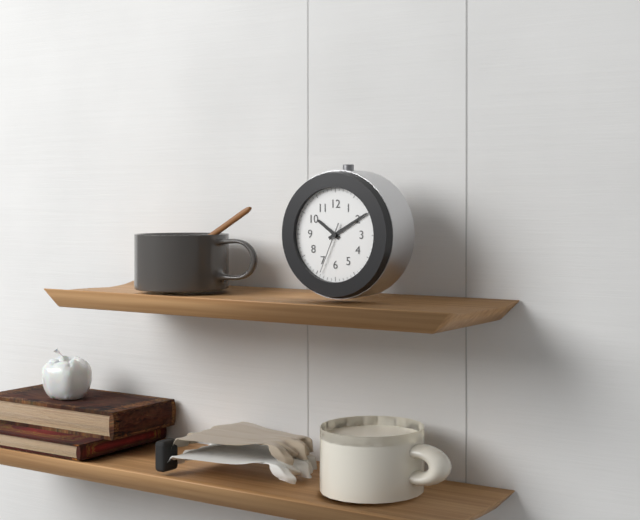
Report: 10 h 10 min 34 s
